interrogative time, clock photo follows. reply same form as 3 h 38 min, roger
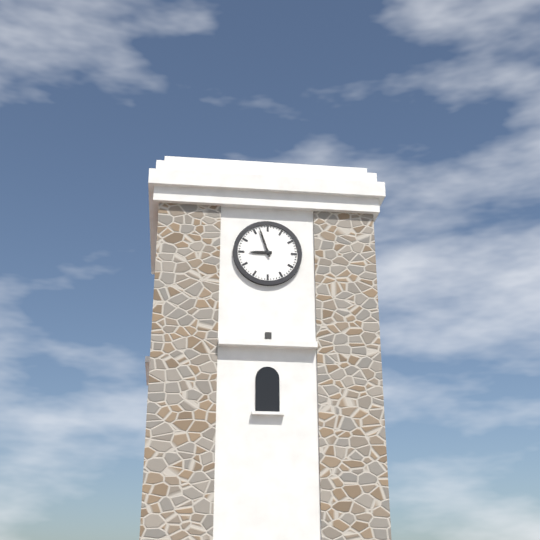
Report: 8 h 57 min
